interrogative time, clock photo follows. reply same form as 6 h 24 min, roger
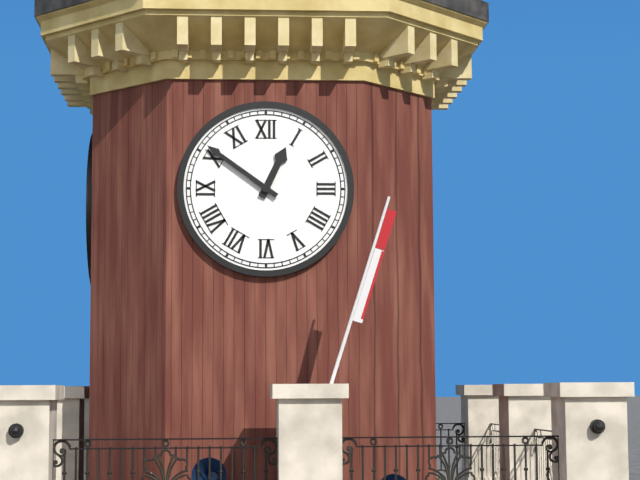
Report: 12 h 51 min
